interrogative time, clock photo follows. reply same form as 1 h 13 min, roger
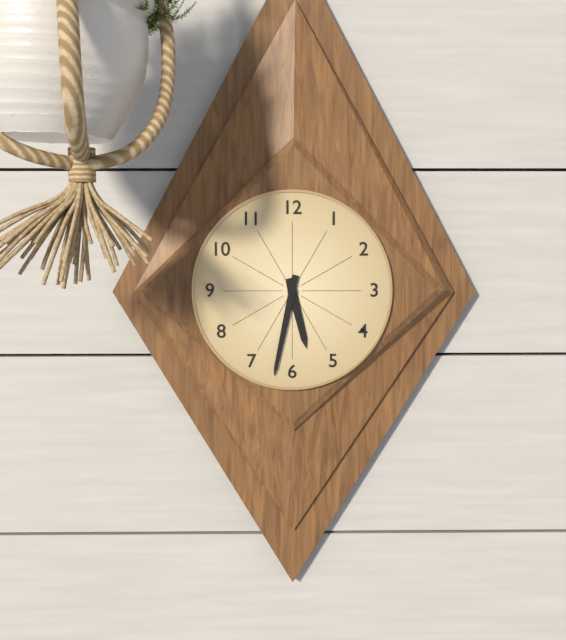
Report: 5 h 32 min
